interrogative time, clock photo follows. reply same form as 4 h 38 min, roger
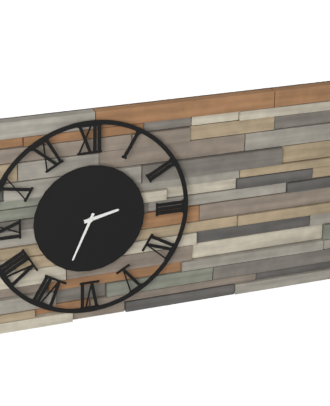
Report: 2 h 34 min
